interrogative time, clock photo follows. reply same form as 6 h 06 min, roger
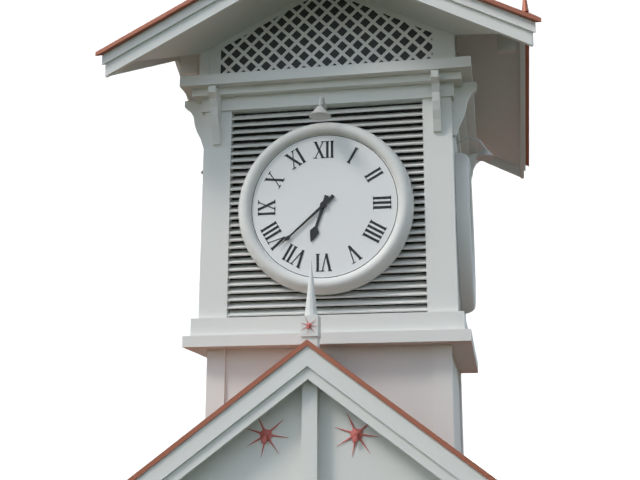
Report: 6 h 38 min
